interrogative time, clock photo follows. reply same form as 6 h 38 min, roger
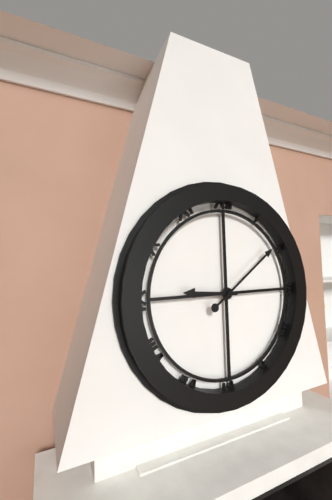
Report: 9 h 09 min
